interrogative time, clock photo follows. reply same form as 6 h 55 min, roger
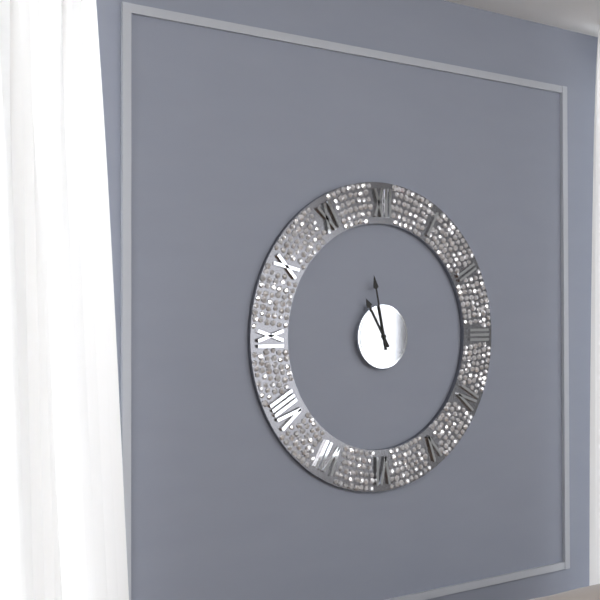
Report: 10 h 58 min
